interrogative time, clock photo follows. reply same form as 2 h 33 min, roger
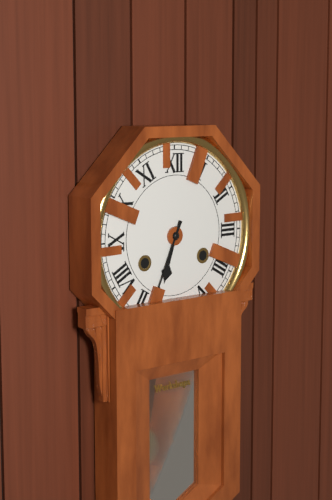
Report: 6 h 34 min
